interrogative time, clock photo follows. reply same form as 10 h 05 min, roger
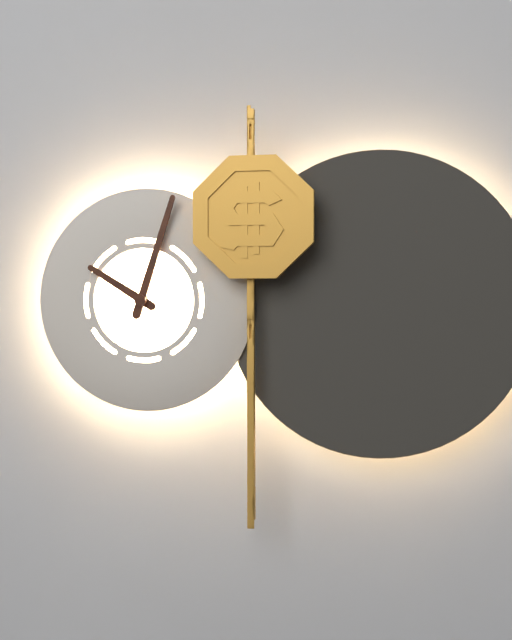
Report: 10 h 03 min
